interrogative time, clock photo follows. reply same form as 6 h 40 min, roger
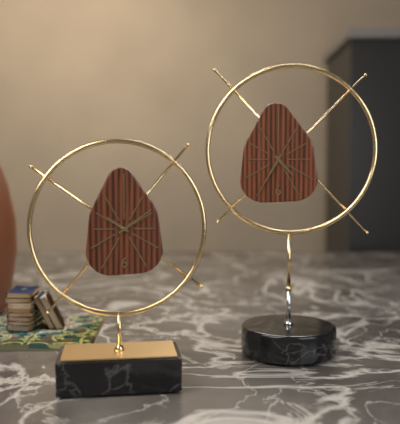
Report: 4 h 35 min
